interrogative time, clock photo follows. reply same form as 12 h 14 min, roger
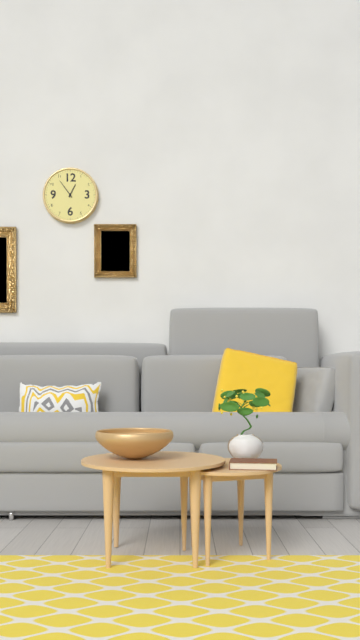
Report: 12 h 54 min
